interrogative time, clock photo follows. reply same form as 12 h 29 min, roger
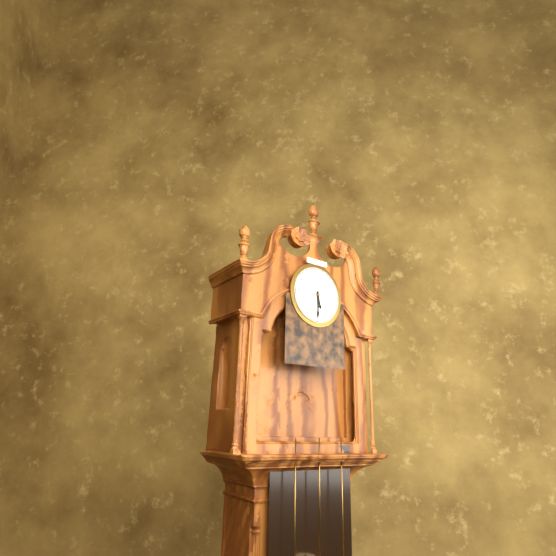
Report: 5 h 30 min
